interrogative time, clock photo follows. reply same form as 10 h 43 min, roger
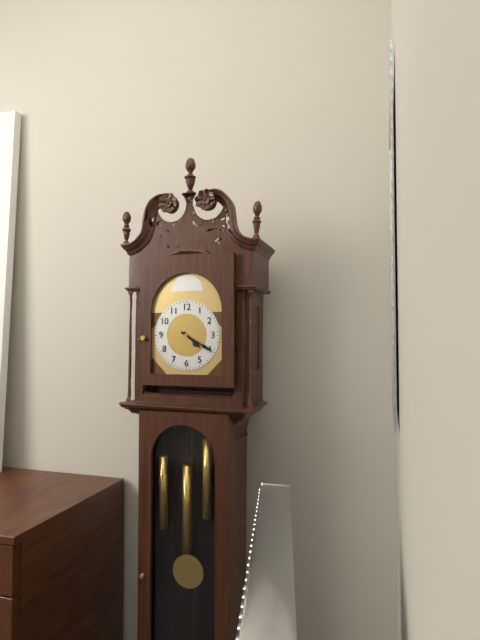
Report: 4 h 20 min
